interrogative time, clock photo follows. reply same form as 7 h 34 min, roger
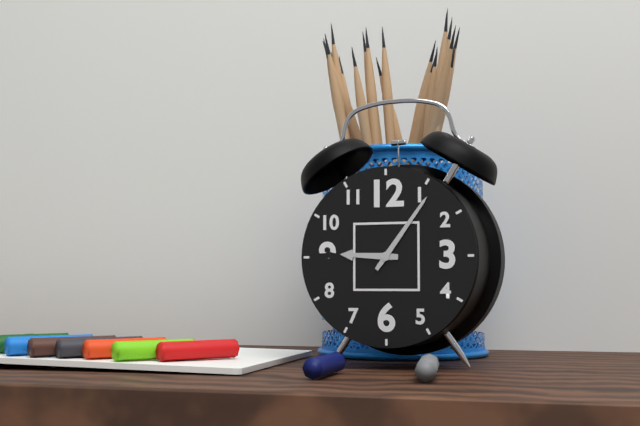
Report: 9 h 06 min
